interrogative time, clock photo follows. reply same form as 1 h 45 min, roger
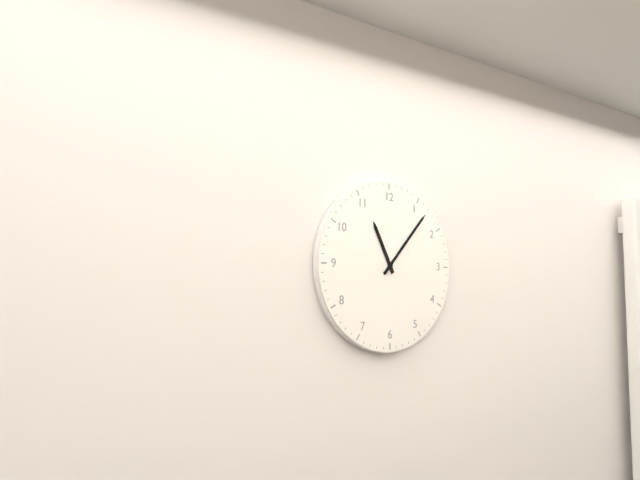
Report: 11 h 07 min
